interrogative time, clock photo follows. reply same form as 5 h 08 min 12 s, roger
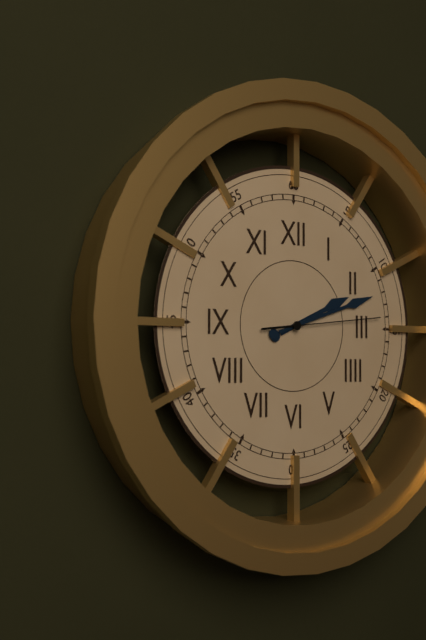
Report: 2 h 12 min 14 s
